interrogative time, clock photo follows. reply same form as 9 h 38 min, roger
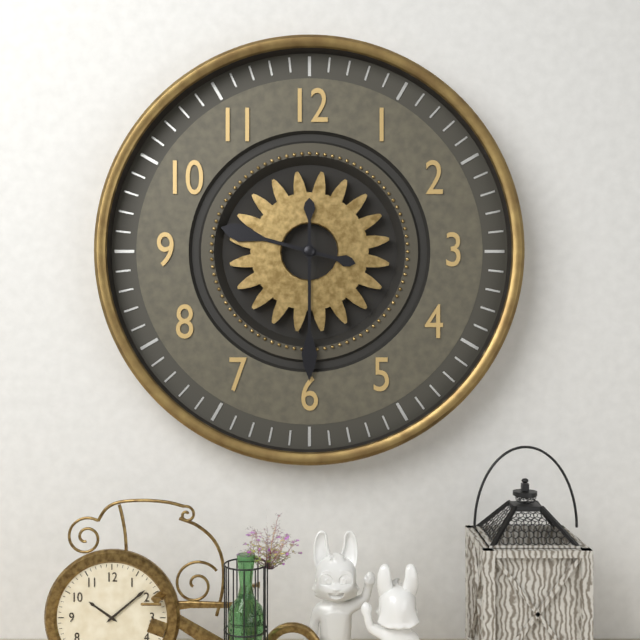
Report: 9 h 30 min
